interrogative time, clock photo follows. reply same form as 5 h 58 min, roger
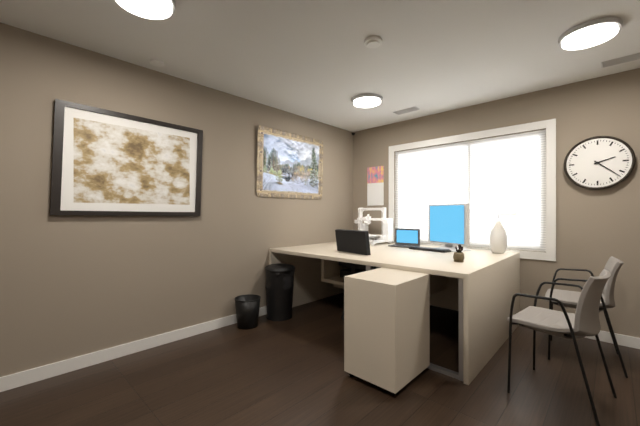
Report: 2 h 22 min
